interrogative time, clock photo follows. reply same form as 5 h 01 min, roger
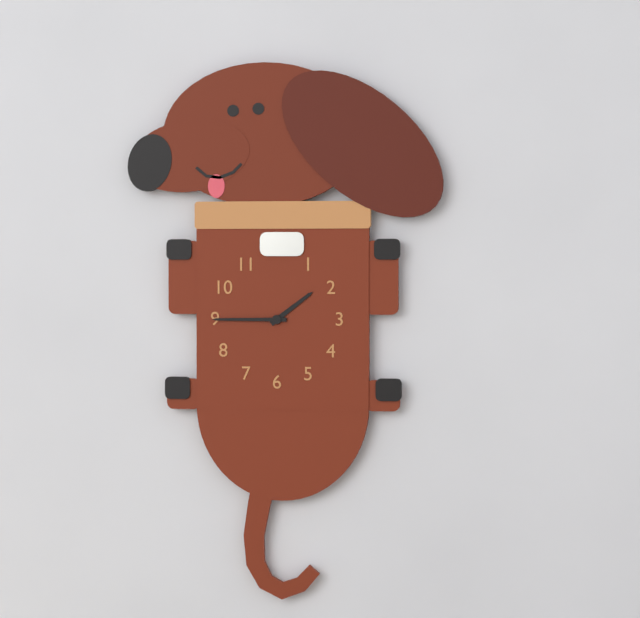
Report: 1 h 45 min
